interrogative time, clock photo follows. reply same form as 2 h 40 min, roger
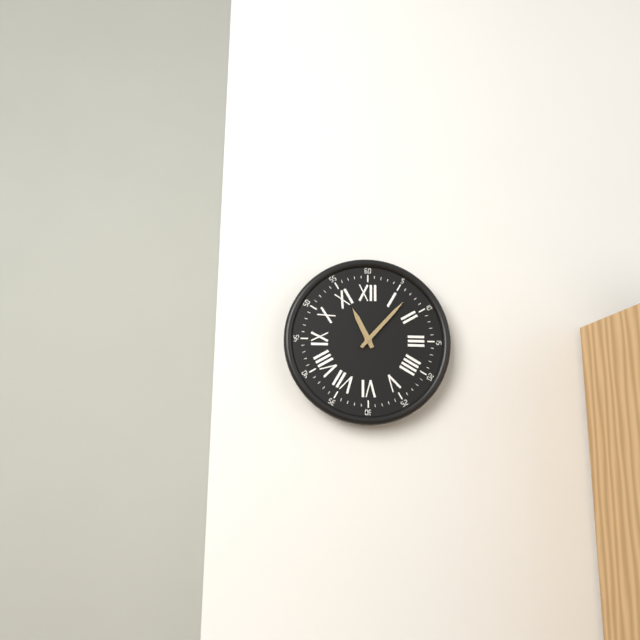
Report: 11 h 07 min
